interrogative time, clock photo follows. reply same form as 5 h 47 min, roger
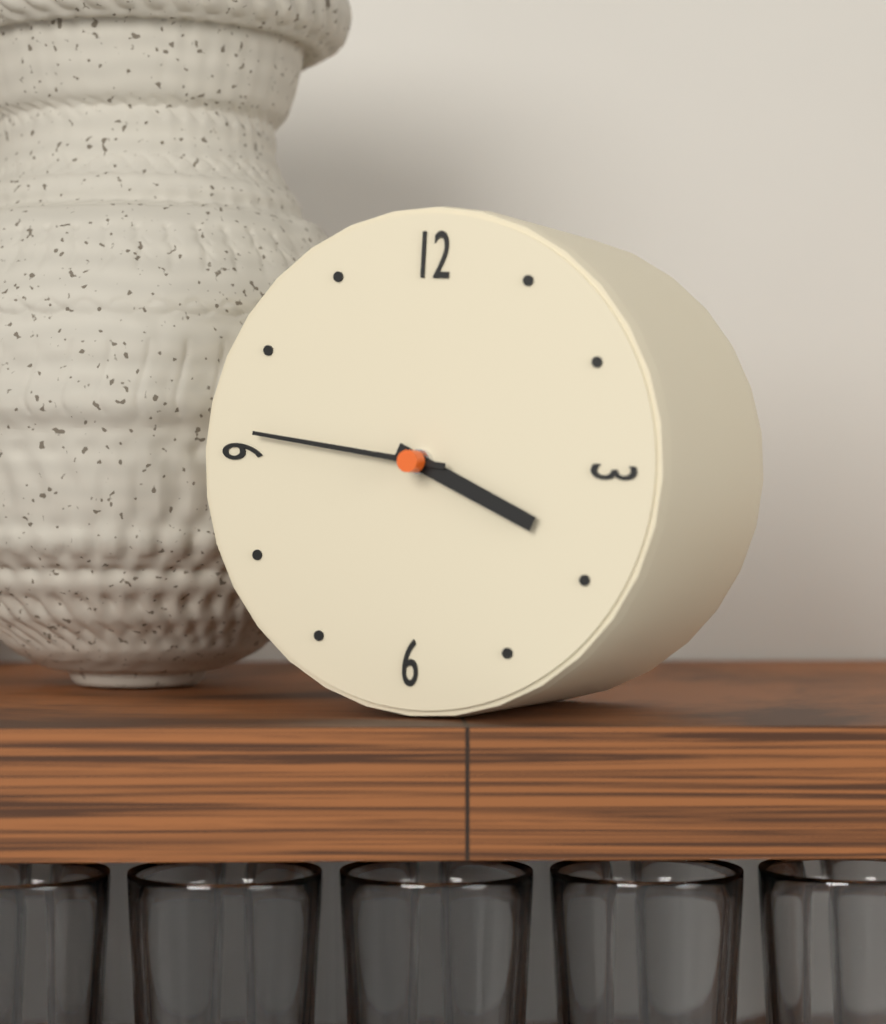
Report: 3 h 46 min
